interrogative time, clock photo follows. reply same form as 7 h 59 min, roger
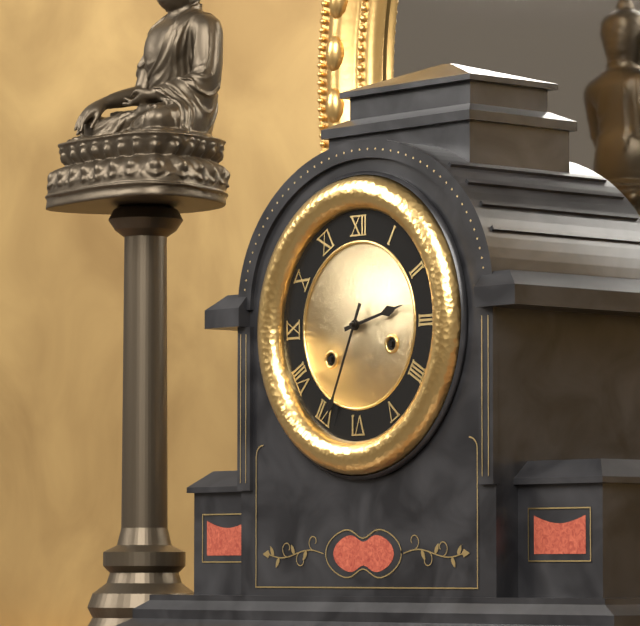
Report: 2 h 34 min
